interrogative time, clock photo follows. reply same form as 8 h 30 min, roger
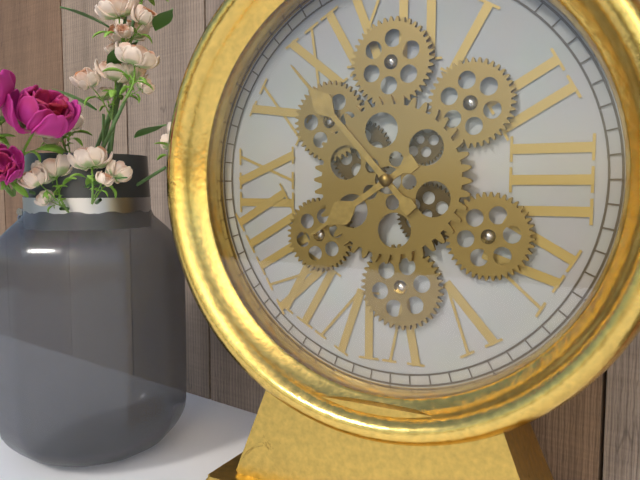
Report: 7 h 53 min
